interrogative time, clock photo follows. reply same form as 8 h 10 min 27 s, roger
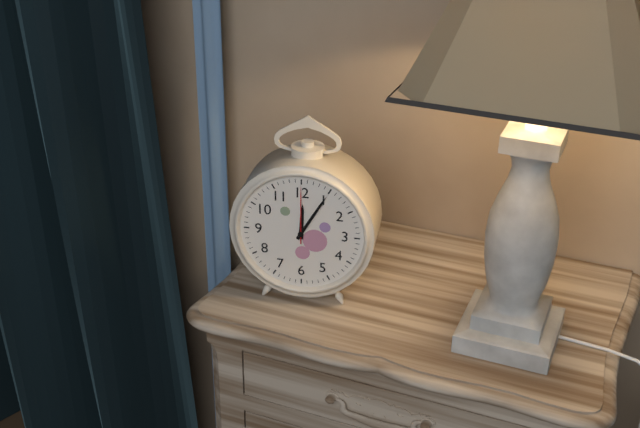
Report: 12 h 05 min 00 s
